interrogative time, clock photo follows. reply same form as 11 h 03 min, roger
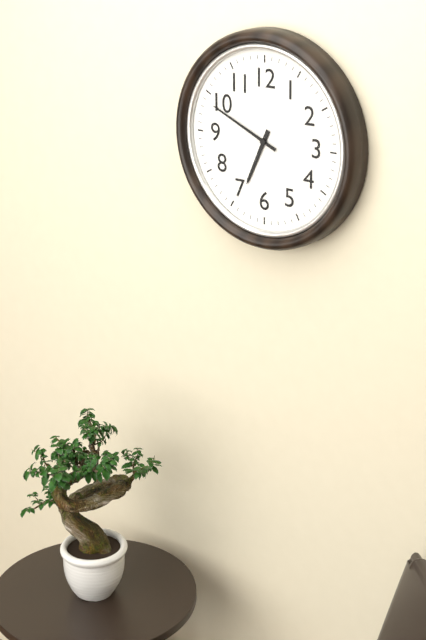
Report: 6 h 49 min
